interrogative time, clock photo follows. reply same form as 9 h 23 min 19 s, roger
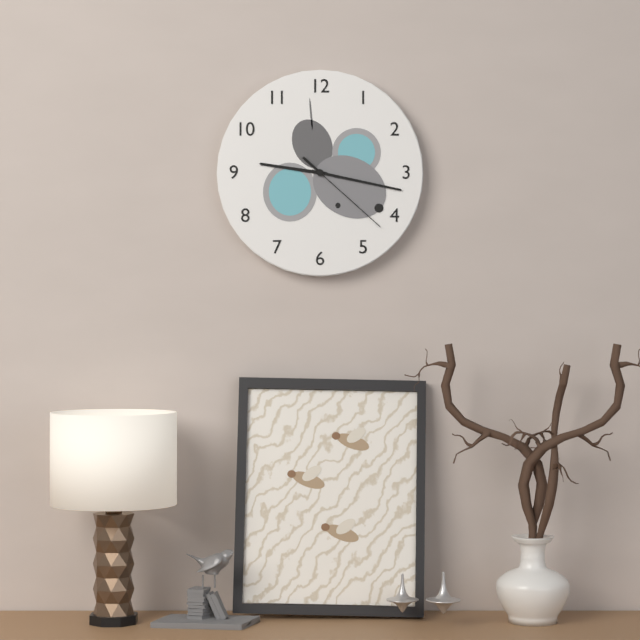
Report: 9 h 17 min 22 s
